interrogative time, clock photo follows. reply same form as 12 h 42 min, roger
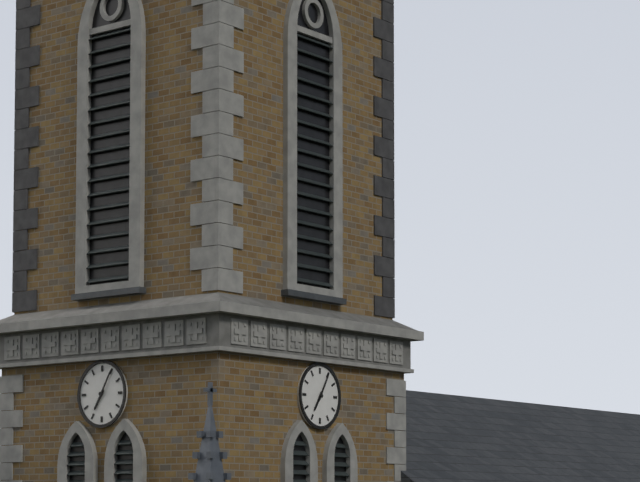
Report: 7 h 05 min
